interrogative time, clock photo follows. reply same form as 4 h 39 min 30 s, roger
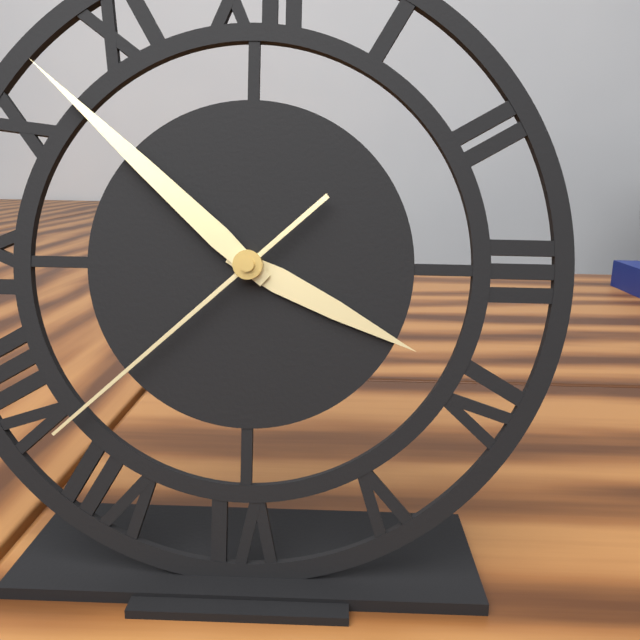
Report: 3 h 52 min 38 s
